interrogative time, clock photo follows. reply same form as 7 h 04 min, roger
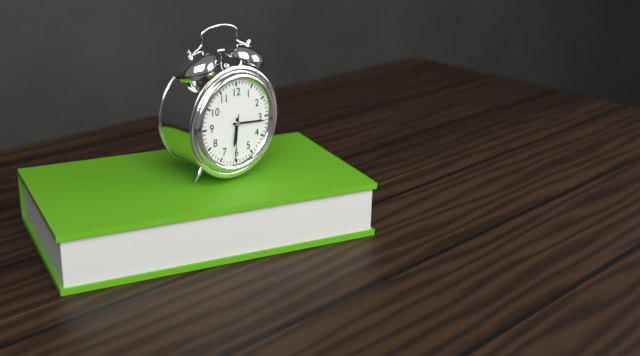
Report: 6 h 16 min
